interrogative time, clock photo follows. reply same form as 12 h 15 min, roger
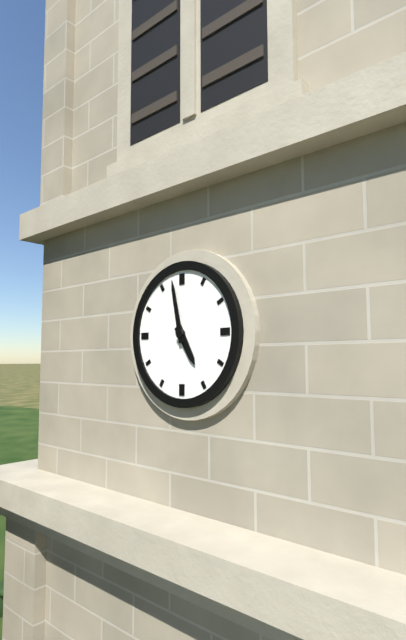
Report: 4 h 58 min
